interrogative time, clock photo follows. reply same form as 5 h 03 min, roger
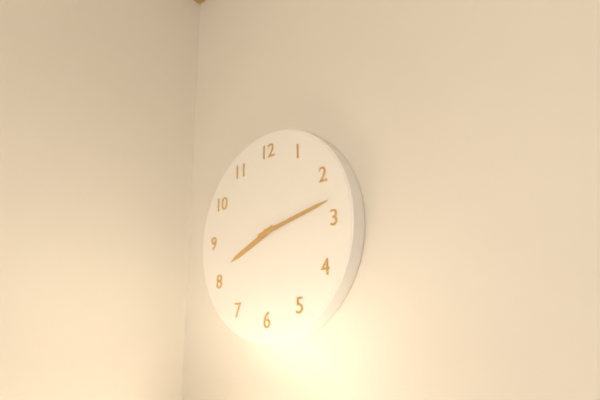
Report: 8 h 13 min
